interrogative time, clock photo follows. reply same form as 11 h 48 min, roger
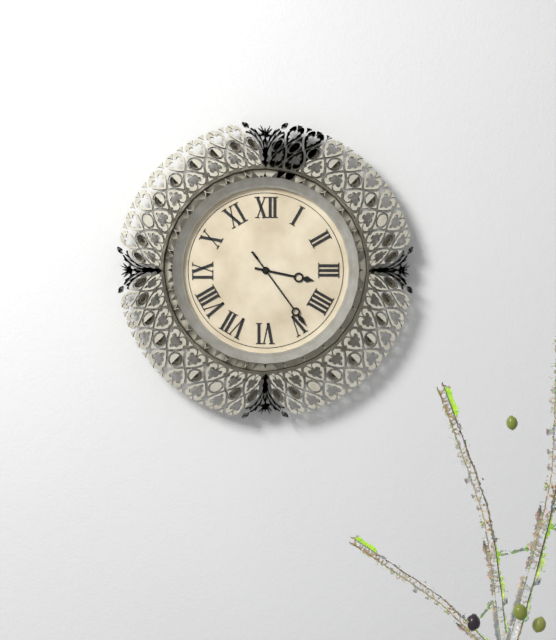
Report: 3 h 24 min
